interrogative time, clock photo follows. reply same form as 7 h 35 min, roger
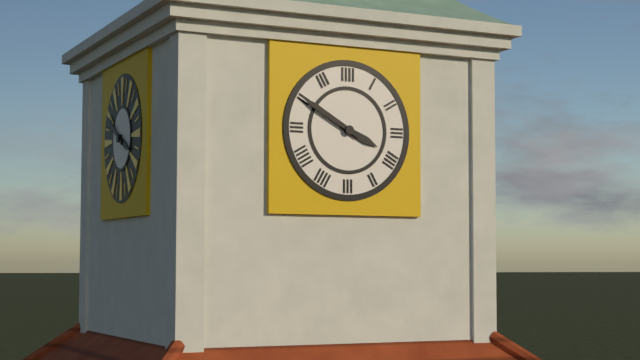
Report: 3 h 50 min
